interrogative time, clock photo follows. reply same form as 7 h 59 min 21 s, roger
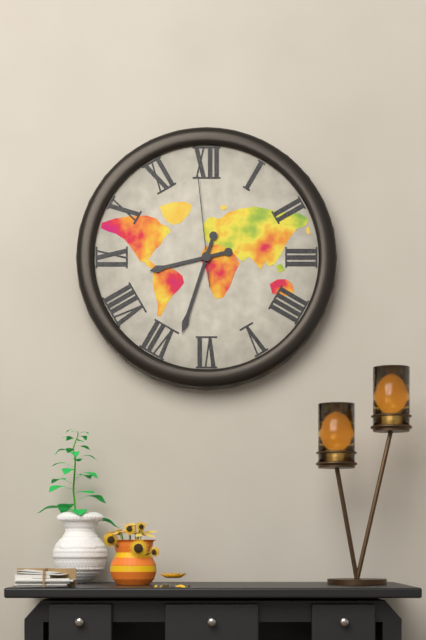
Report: 8 h 33 min 59 s
